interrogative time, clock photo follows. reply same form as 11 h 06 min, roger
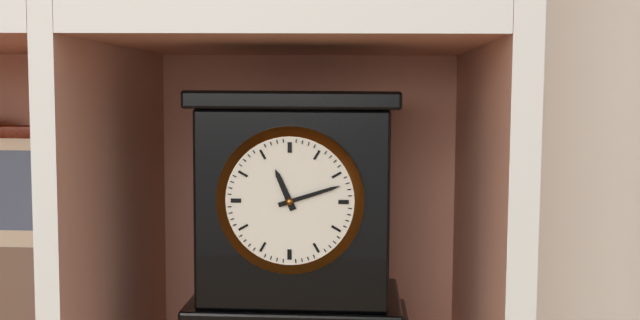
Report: 11 h 12 min
